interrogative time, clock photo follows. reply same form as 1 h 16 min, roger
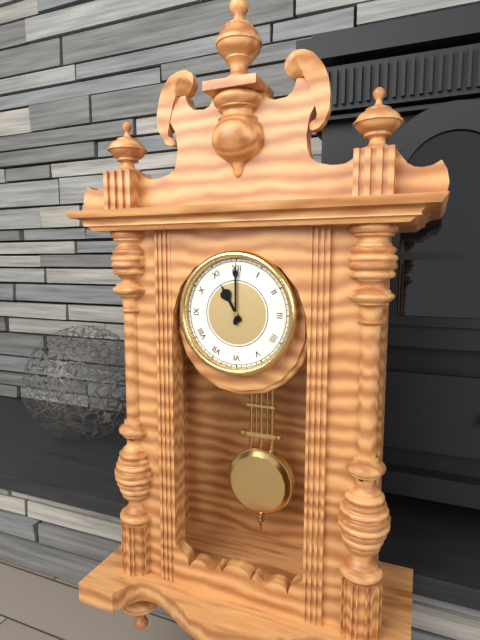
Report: 11 h 00 min
